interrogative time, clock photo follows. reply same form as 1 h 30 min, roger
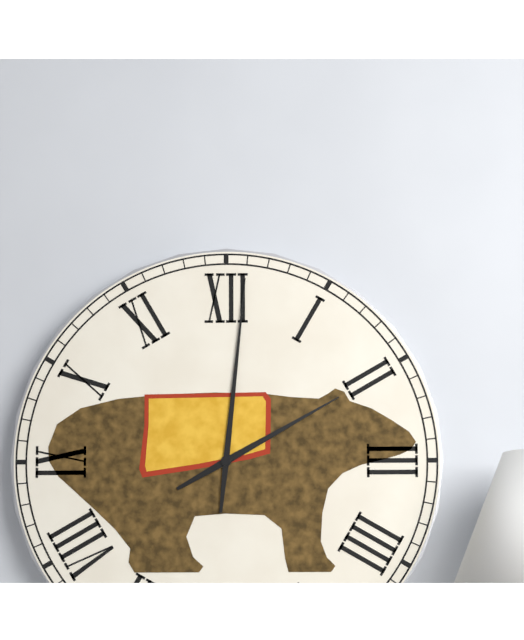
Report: 2 h 01 min
